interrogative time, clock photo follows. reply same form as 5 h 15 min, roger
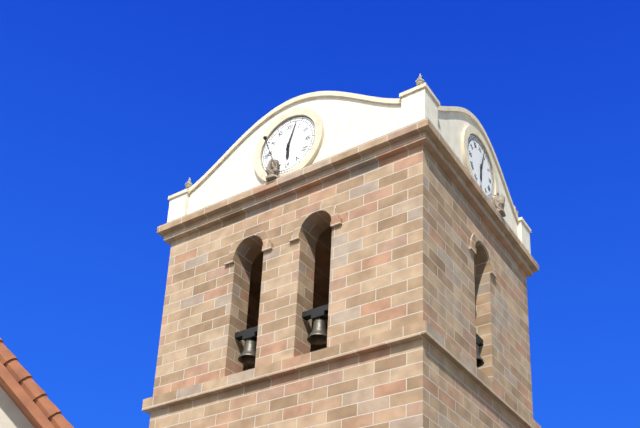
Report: 6 h 03 min
